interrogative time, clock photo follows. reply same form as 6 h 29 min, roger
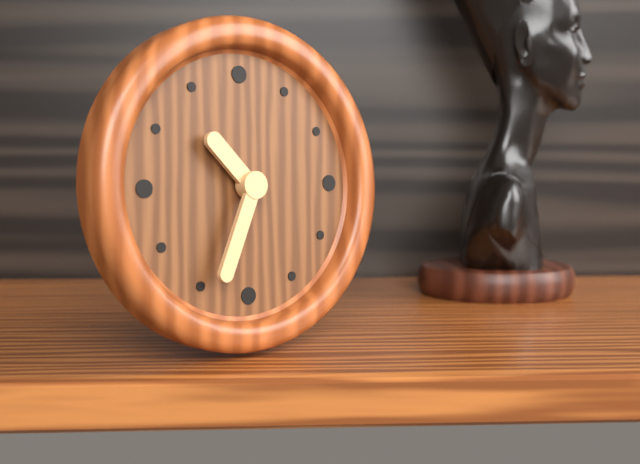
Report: 10 h 34 min
